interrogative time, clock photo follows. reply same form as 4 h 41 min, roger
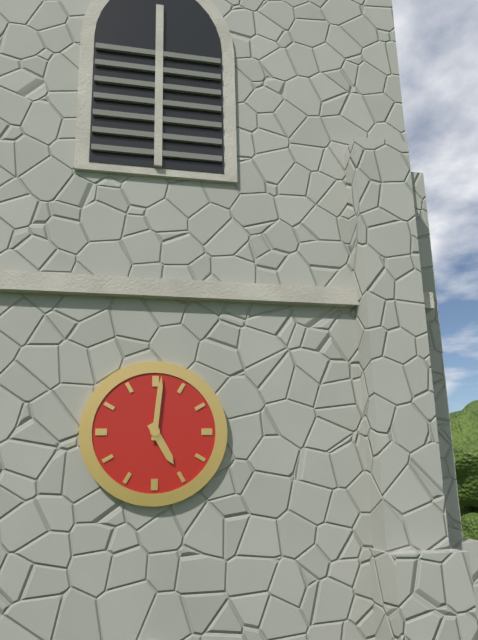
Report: 5 h 01 min
